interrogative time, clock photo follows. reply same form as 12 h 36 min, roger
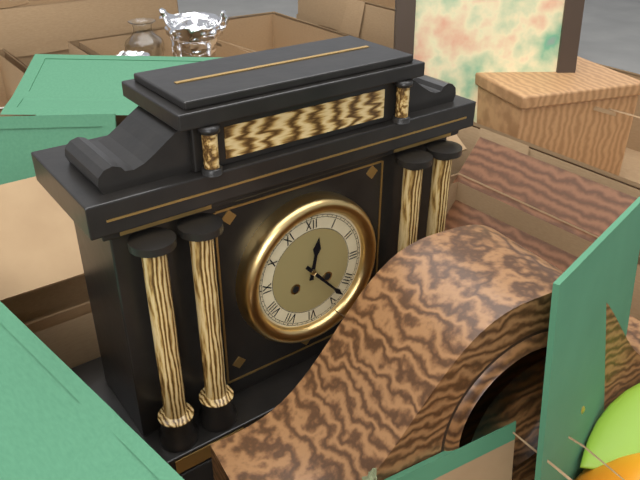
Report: 12 h 23 min
